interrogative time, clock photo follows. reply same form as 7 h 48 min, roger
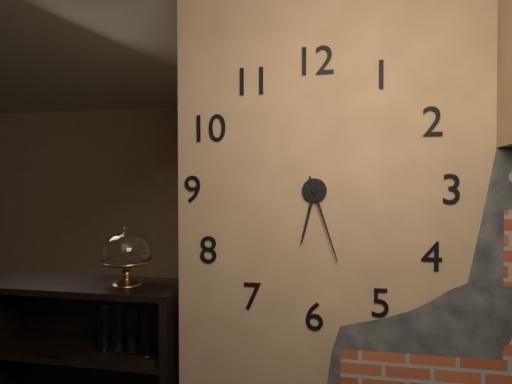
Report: 6 h 27 min
